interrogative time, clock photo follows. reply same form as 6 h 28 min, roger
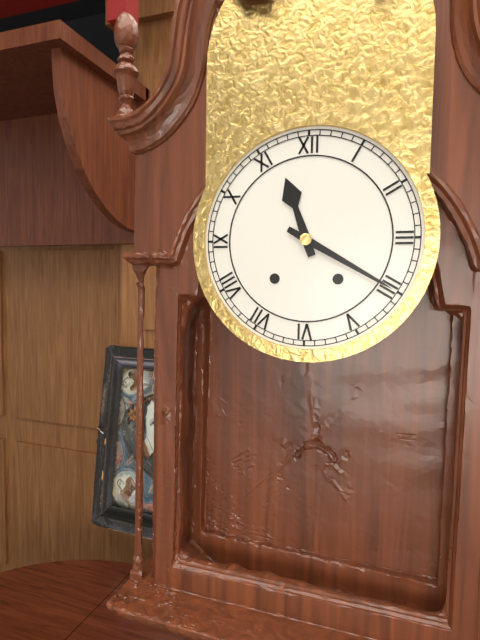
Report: 11 h 20 min
